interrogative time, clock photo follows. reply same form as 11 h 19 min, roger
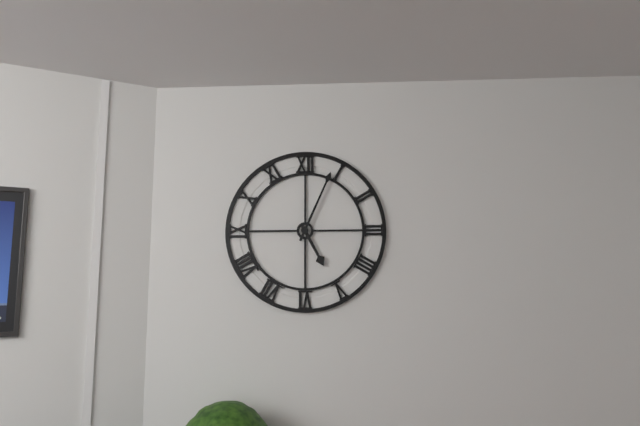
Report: 5 h 04 min
